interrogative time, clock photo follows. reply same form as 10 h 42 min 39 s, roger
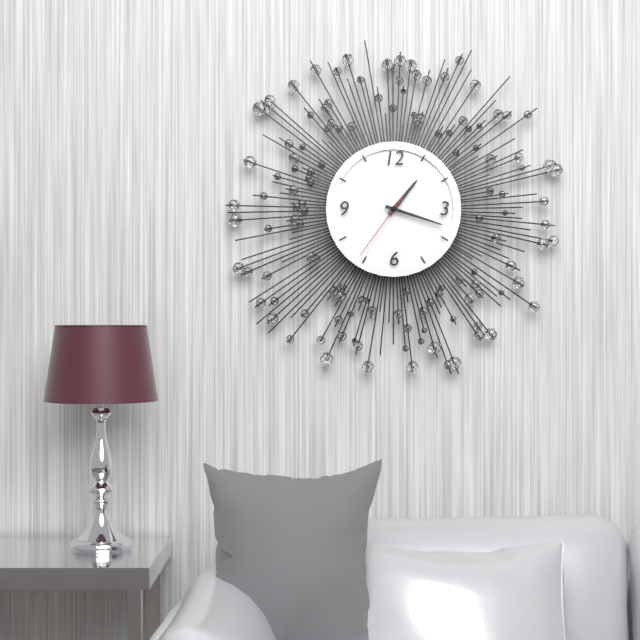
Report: 1 h 18 min 36 s
